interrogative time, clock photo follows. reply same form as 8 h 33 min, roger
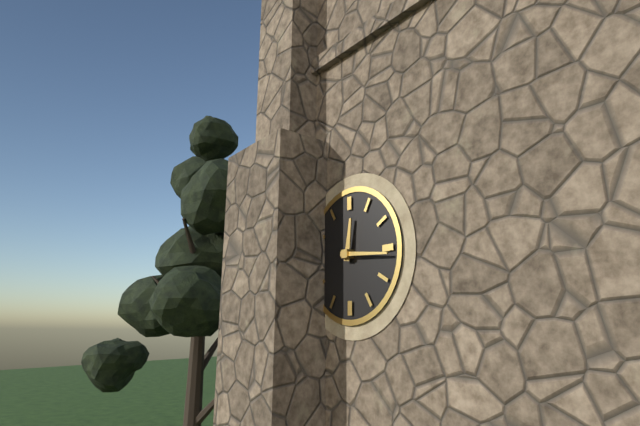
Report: 12 h 16 min
